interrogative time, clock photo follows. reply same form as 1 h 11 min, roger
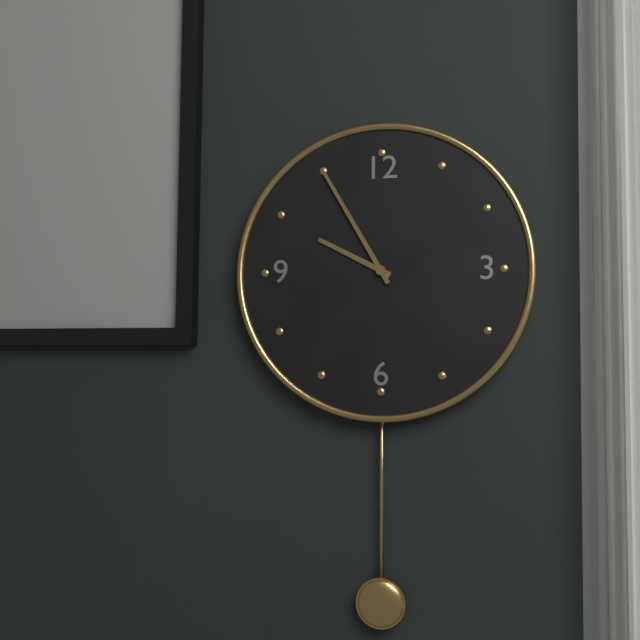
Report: 9 h 55 min
